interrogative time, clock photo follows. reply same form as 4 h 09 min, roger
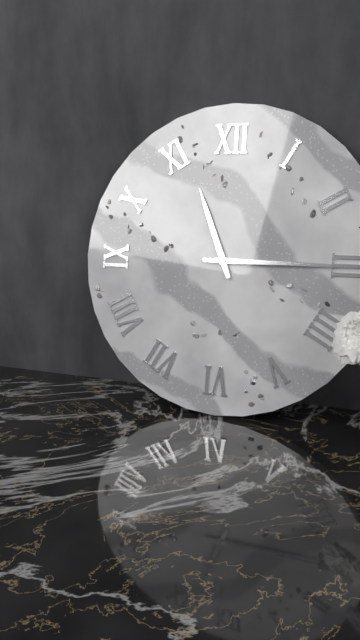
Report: 11 h 15 min
